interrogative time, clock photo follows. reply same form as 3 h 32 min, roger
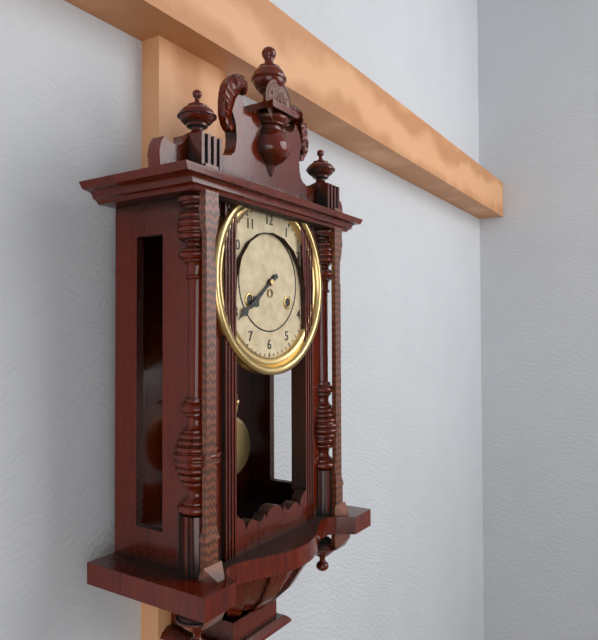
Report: 7 h 39 min
